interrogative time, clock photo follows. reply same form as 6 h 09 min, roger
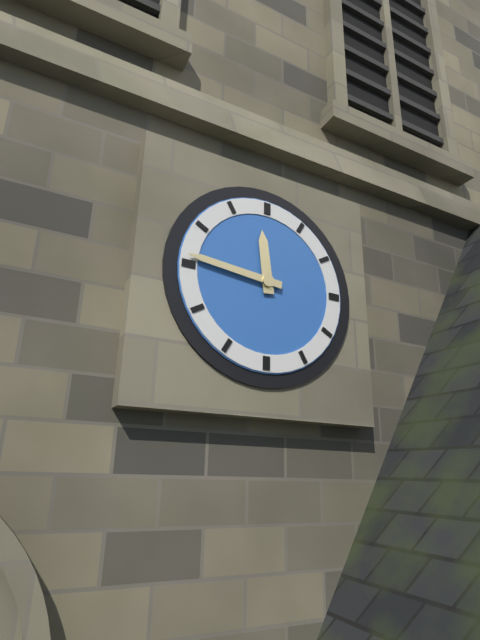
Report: 11 h 46 min
